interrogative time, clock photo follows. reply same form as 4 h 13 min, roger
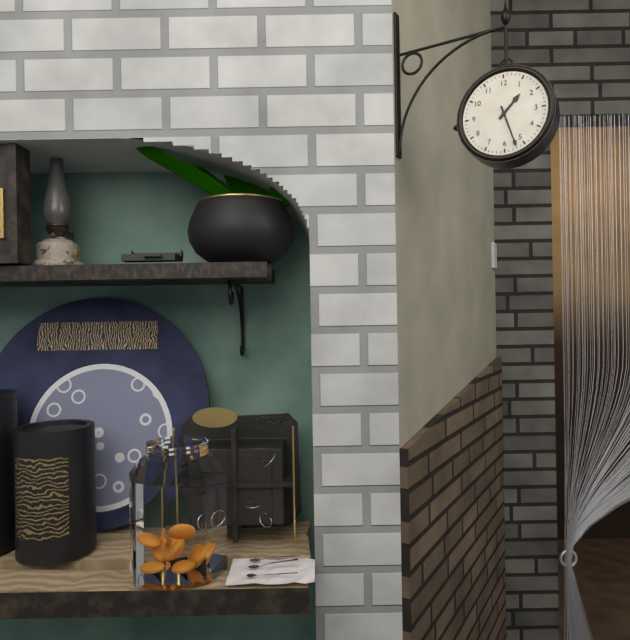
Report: 1 h 27 min
